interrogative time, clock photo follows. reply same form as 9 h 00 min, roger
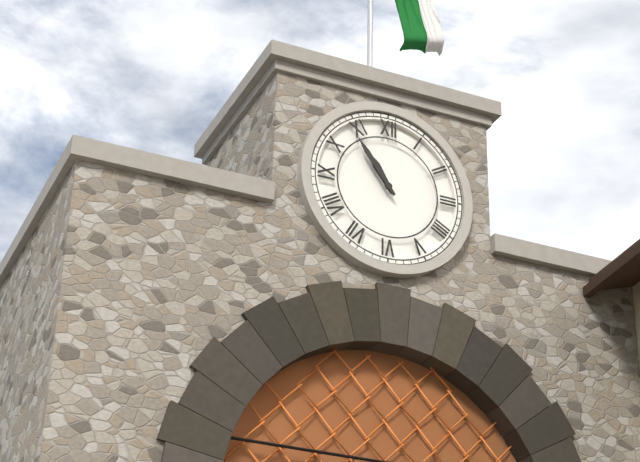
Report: 10 h 54 min
